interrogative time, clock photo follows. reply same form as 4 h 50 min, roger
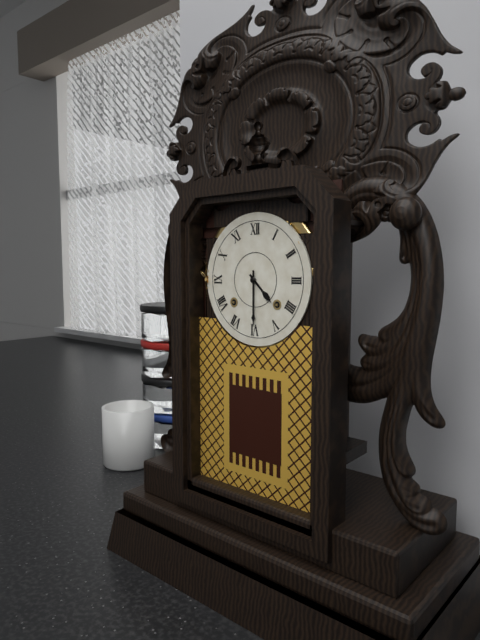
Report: 4 h 30 min
